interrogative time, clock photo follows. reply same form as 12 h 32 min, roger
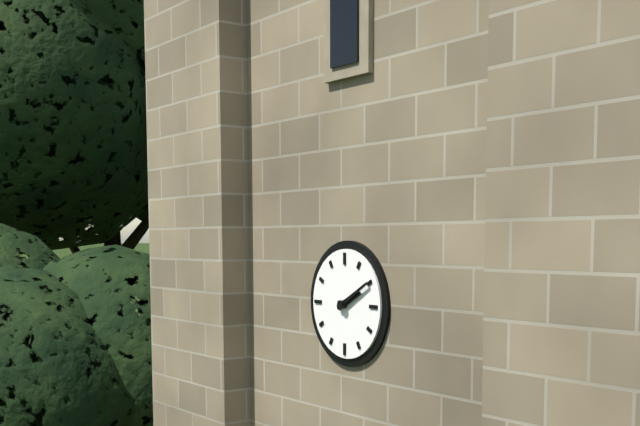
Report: 2 h 10 min
